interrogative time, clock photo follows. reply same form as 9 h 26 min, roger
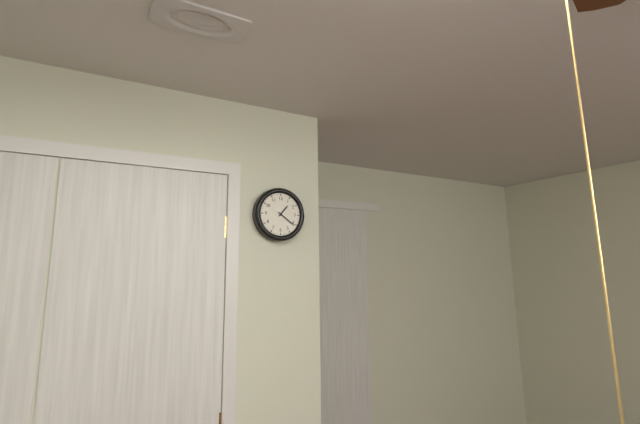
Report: 1 h 21 min
